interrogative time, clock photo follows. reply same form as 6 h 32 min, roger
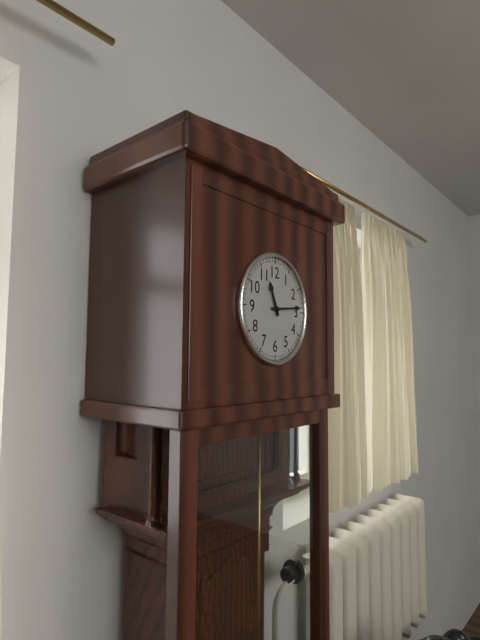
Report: 11 h 14 min
